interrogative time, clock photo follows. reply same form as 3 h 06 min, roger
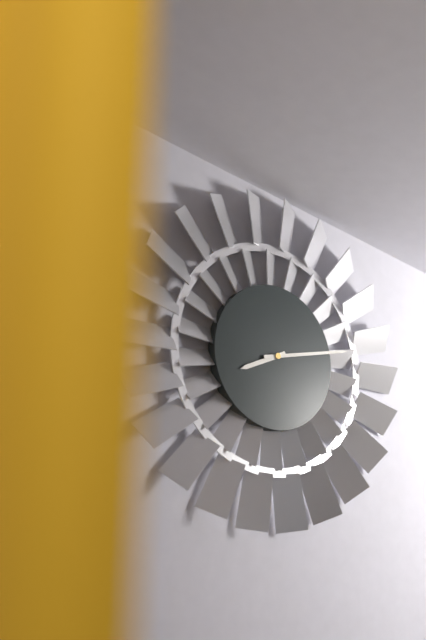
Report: 8 h 13 min
